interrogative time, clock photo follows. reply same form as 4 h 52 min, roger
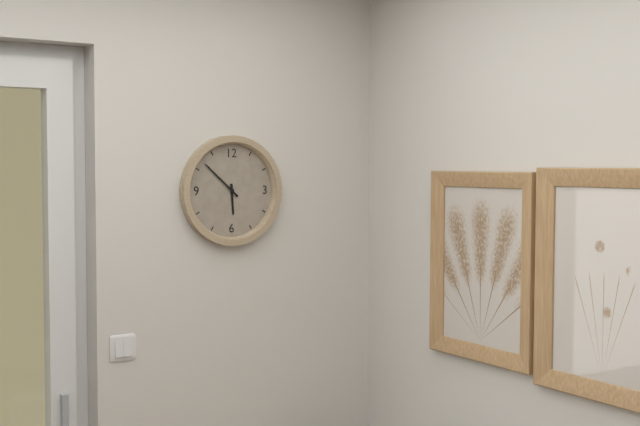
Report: 5 h 52 min
